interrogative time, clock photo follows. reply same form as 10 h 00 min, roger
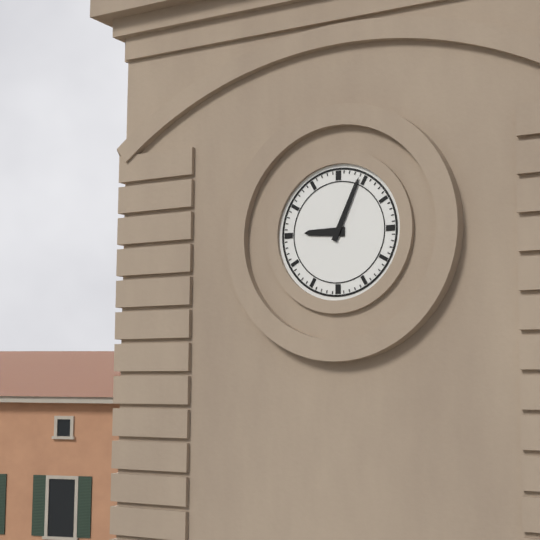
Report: 9 h 04 min
